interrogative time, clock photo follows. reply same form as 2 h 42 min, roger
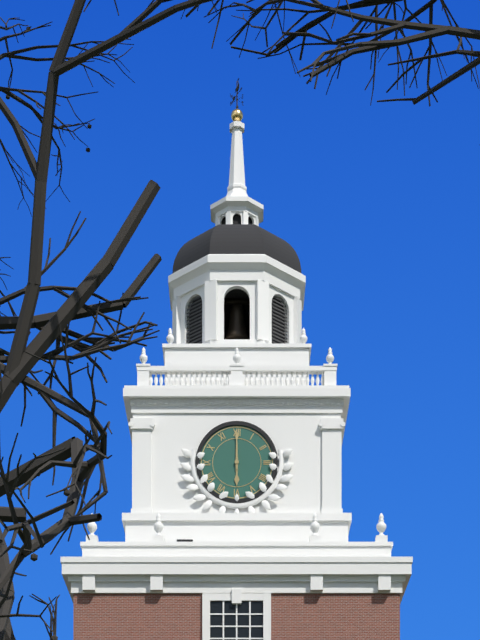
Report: 6 h 00 min
